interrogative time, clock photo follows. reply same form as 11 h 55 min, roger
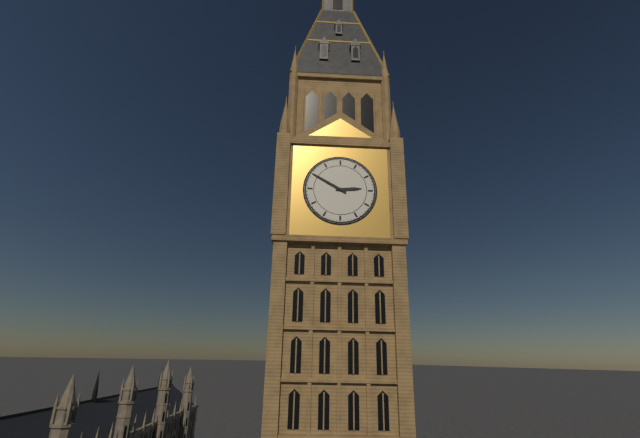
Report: 2 h 50 min
